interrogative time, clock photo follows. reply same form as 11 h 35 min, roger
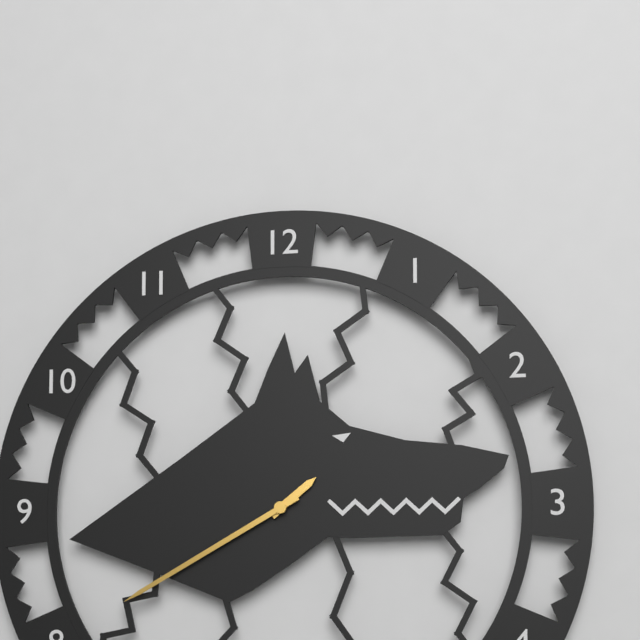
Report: 1 h 40 min
